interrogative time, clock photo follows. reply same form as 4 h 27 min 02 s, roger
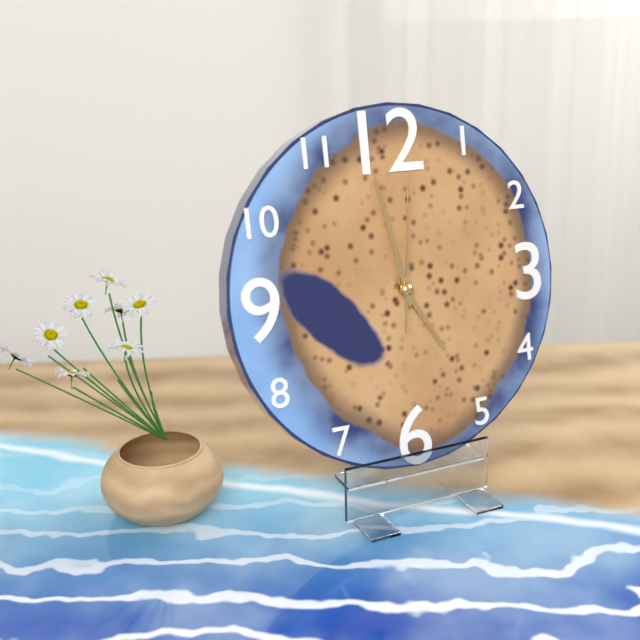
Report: 4 h 58 min 01 s
